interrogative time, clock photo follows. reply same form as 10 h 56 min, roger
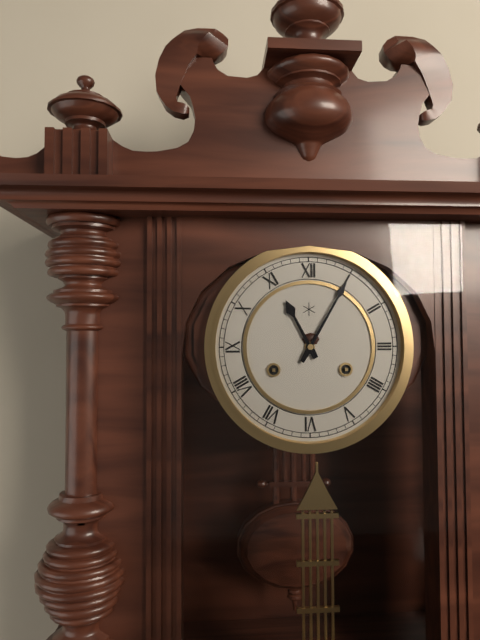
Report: 11 h 05 min
